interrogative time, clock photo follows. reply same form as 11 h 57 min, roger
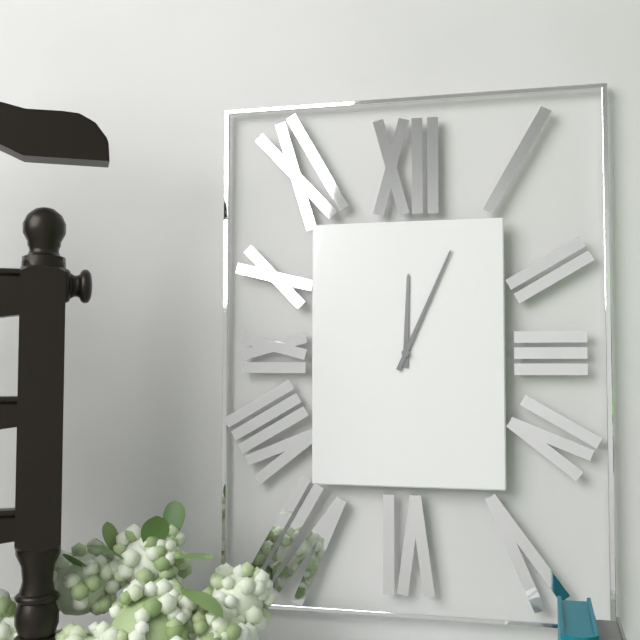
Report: 12 h 04 min
